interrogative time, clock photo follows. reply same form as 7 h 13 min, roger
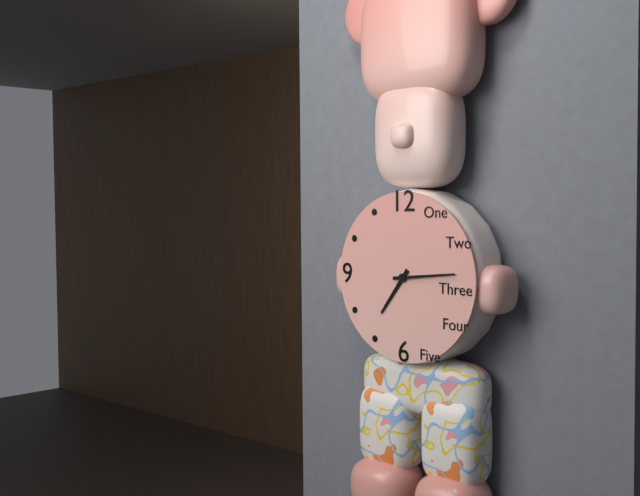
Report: 7 h 14 min
